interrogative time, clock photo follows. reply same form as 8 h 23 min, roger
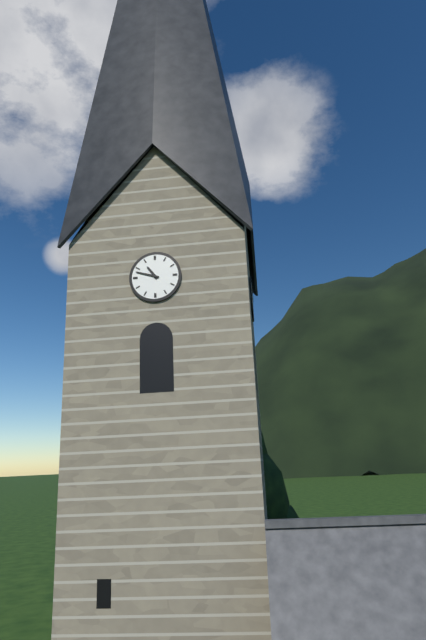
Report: 10 h 48 min
